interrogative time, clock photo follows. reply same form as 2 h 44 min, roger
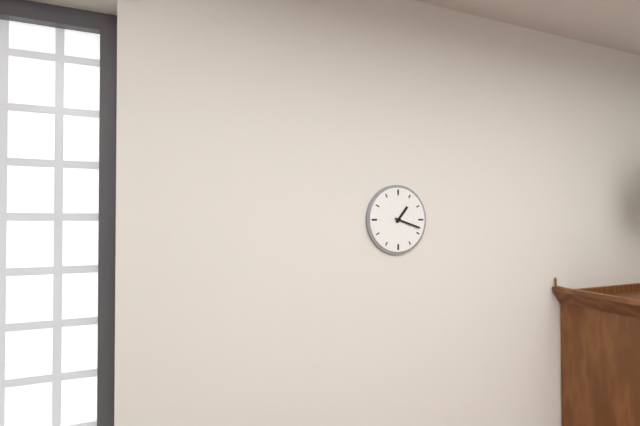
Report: 1 h 18 min
